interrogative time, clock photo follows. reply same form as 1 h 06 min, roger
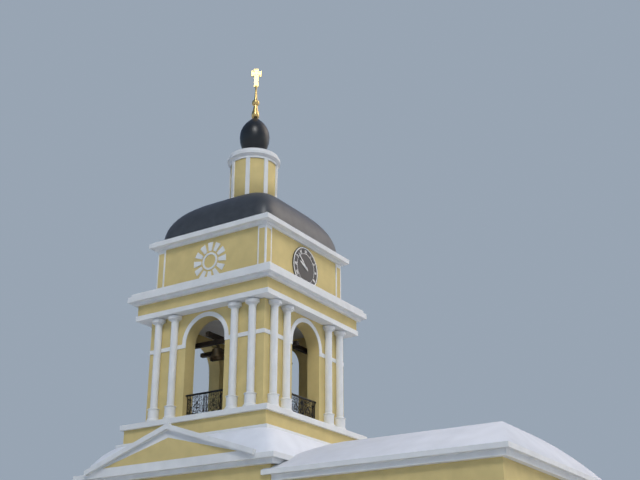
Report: 9 h 52 min
